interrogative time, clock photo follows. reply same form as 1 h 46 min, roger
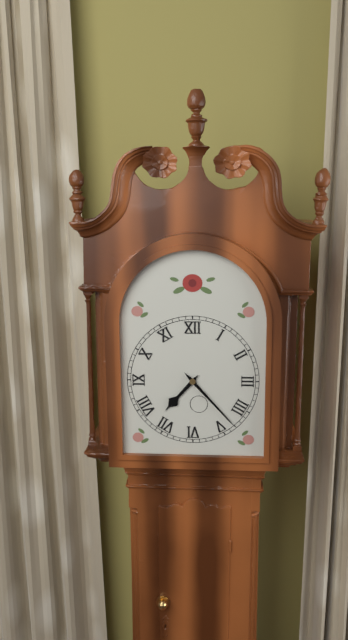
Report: 7 h 23 min
